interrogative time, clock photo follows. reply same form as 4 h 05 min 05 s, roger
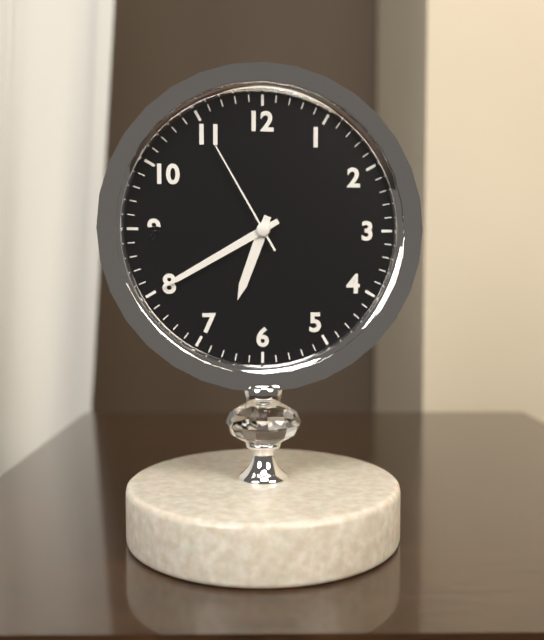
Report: 6 h 40 min 55 s
